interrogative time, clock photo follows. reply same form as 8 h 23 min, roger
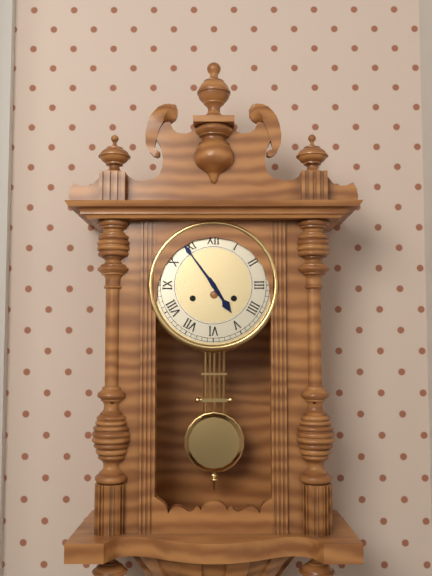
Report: 4 h 54 min
